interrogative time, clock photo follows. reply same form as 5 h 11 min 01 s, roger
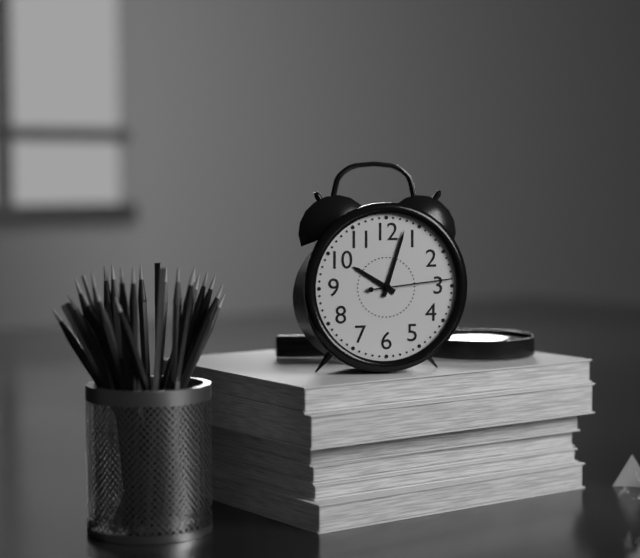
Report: 10 h 03 min 14 s
